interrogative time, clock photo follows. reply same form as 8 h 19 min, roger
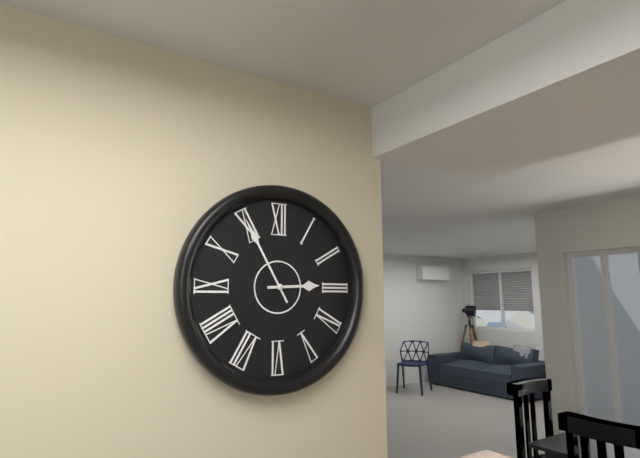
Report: 2 h 55 min
